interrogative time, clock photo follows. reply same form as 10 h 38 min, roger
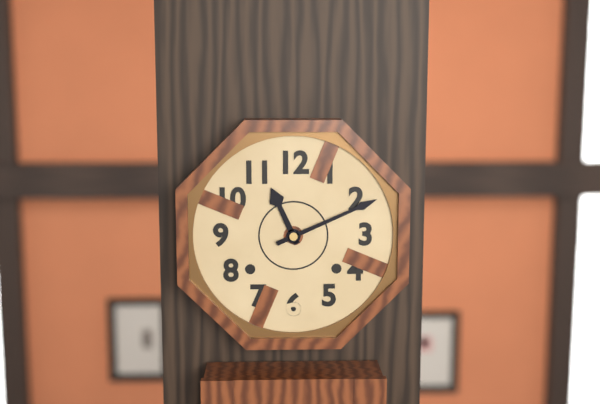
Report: 11 h 11 min
